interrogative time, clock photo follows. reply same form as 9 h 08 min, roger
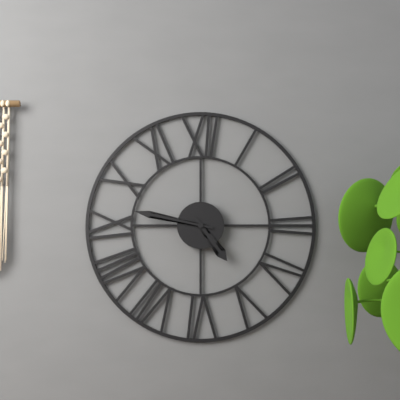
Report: 4 h 47 min
